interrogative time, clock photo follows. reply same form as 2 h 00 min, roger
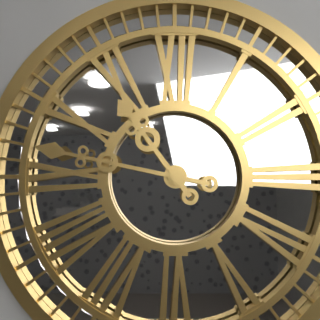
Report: 10 h 47 min
